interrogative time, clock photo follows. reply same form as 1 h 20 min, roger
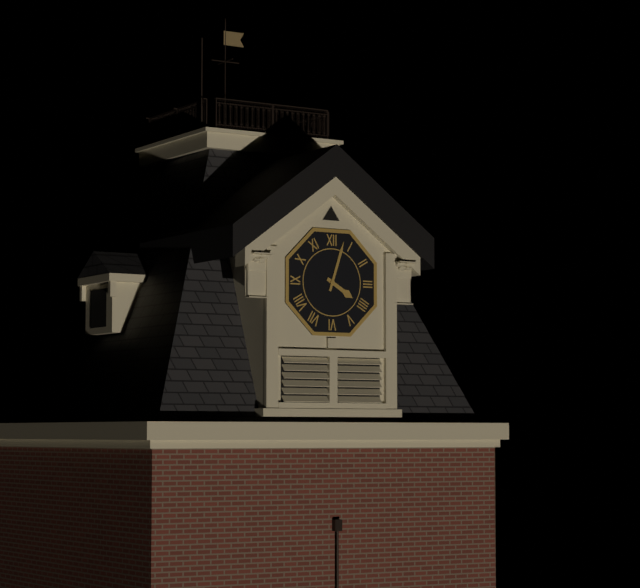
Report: 4 h 03 min
